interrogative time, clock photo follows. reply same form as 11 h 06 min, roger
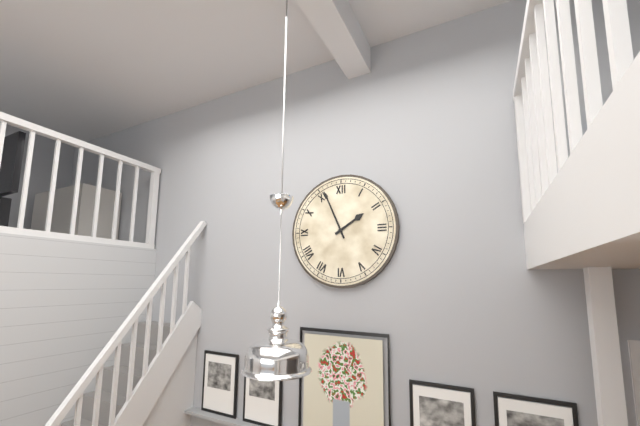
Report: 1 h 56 min
